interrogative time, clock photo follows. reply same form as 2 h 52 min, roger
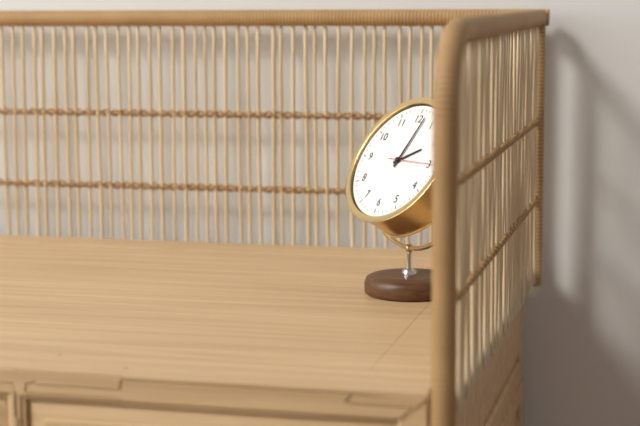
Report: 2 h 02 min
